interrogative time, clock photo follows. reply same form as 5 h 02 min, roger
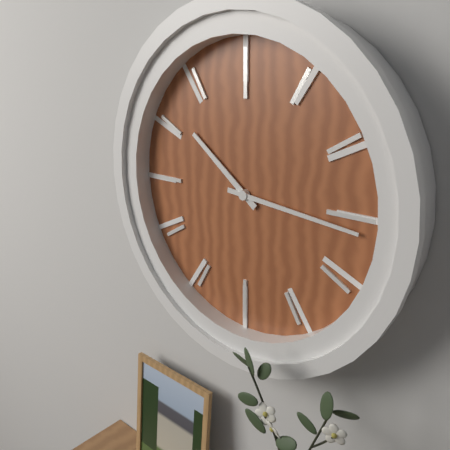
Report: 10 h 16 min
